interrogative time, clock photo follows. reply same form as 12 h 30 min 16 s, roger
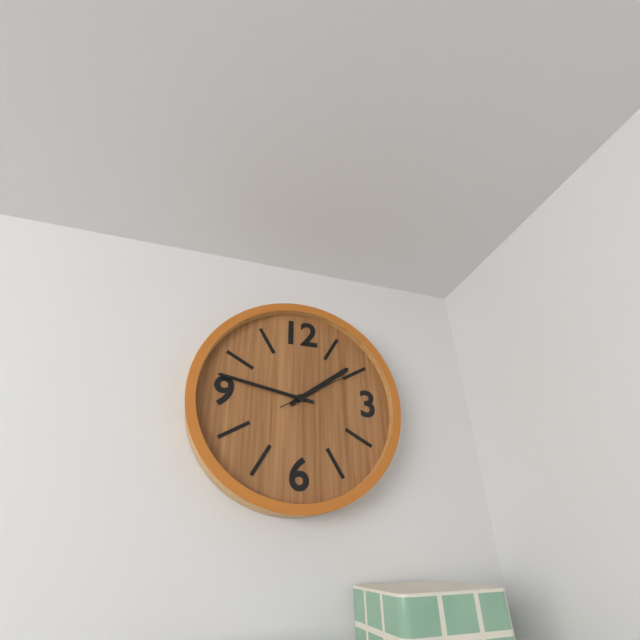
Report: 1 h 47 min 10 s
